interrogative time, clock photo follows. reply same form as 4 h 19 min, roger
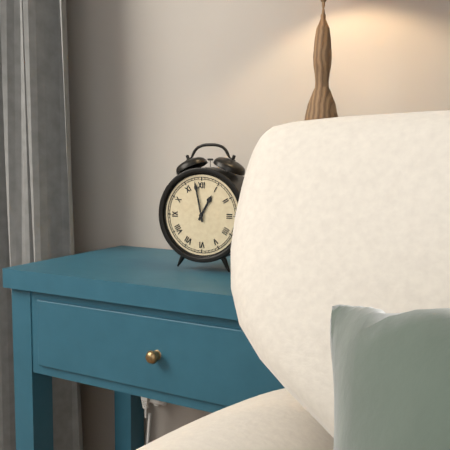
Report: 12 h 58 min
